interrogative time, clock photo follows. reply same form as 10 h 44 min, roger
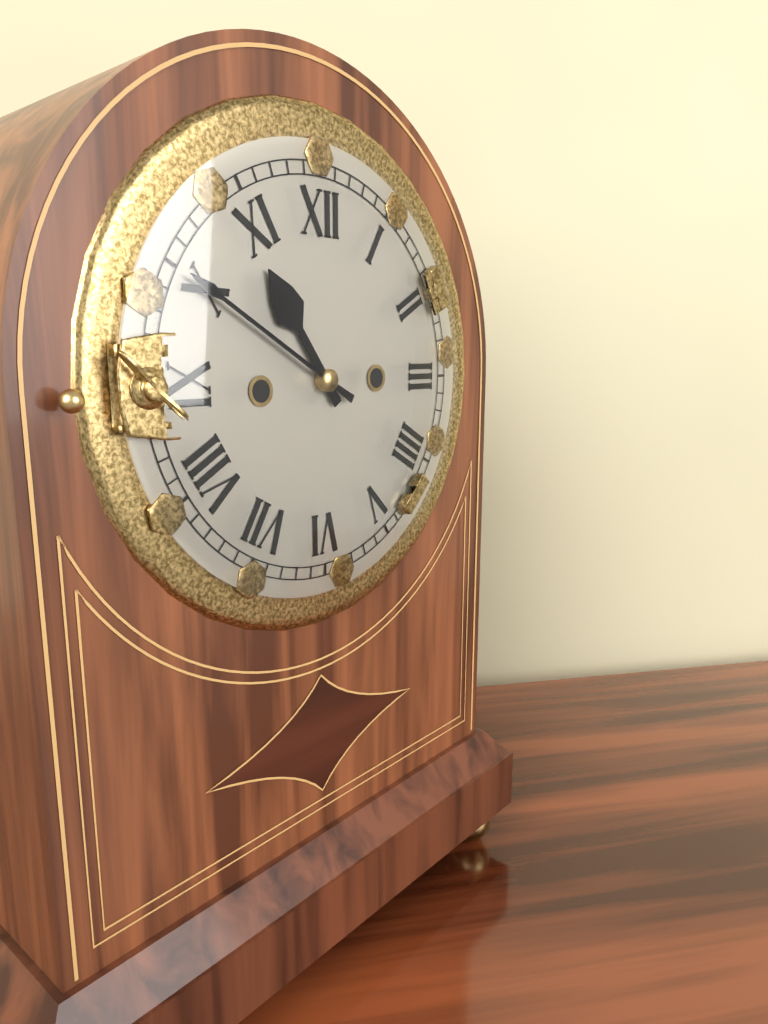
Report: 10 h 50 min
